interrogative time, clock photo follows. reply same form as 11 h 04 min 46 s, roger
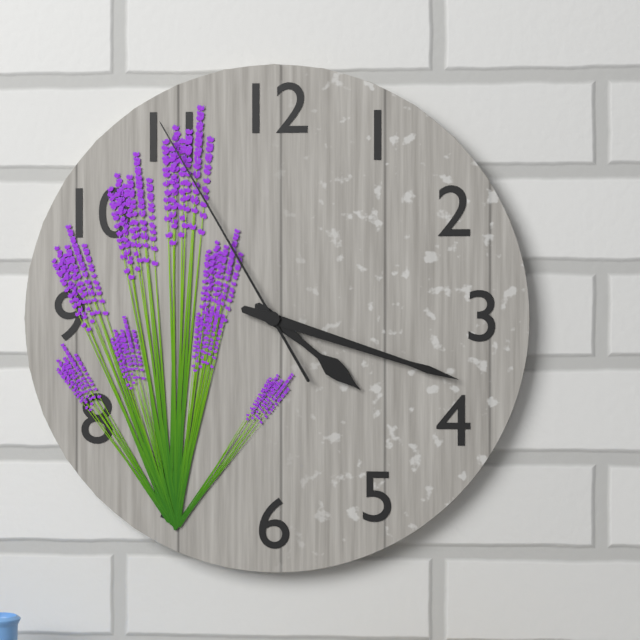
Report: 4 h 18 min 55 s
